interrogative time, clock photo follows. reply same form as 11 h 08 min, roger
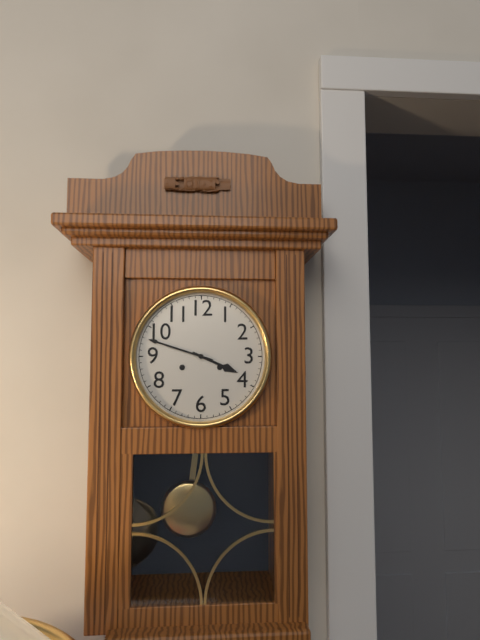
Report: 3 h 48 min
